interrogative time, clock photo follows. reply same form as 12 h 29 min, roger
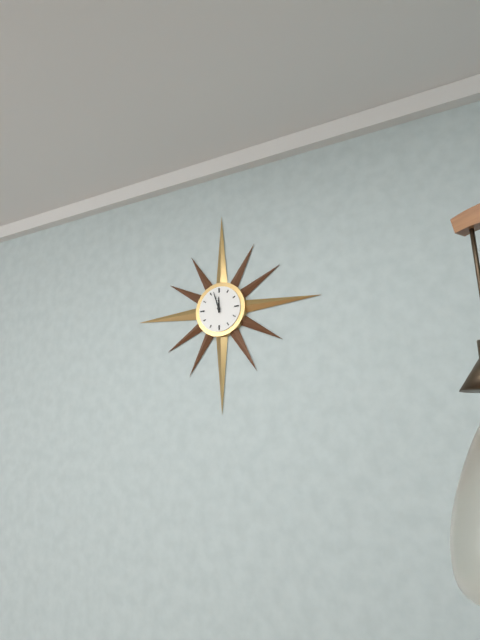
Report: 11 h 57 min
